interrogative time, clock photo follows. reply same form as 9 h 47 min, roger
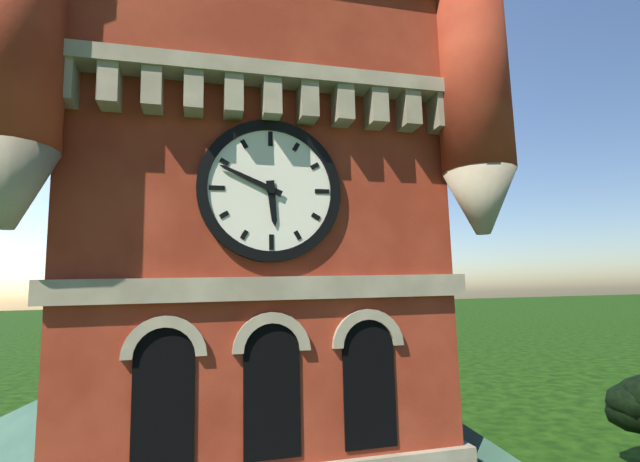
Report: 5 h 49 min
